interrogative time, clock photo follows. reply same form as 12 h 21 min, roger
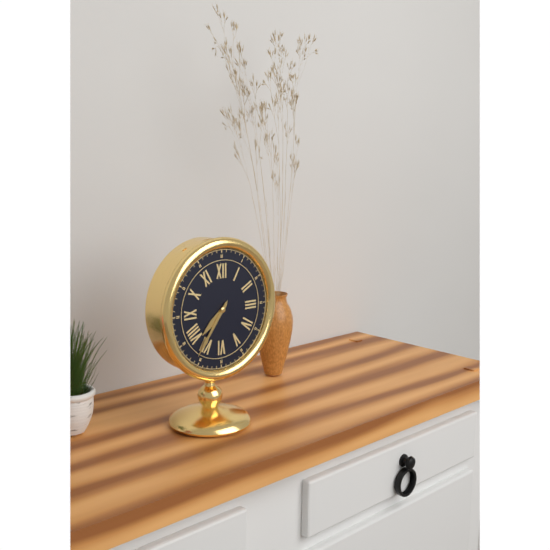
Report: 7 h 36 min
